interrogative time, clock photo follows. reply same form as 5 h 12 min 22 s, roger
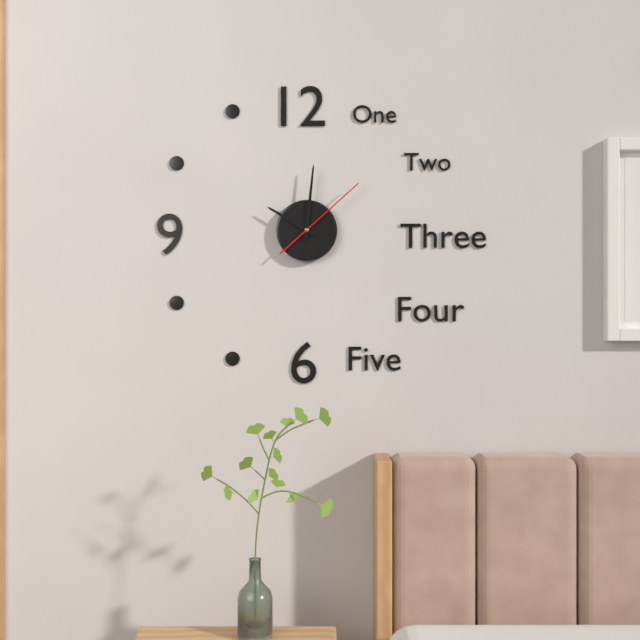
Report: 10 h 01 min 08 s
